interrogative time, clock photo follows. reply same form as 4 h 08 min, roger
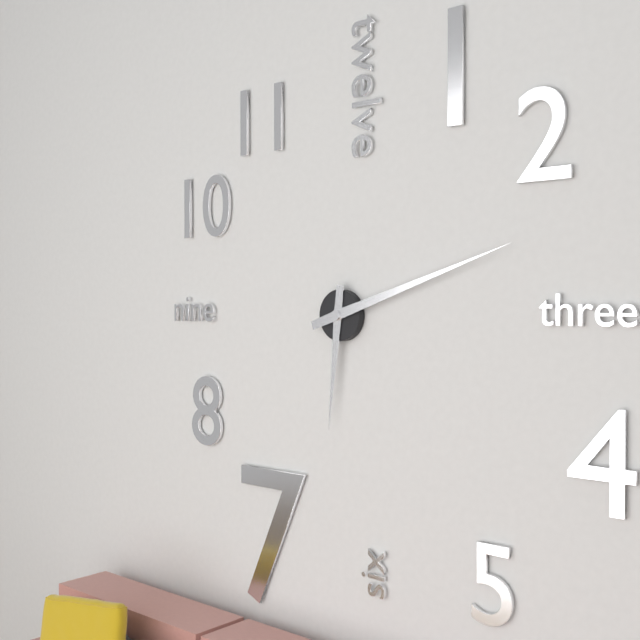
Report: 6 h 12 min
